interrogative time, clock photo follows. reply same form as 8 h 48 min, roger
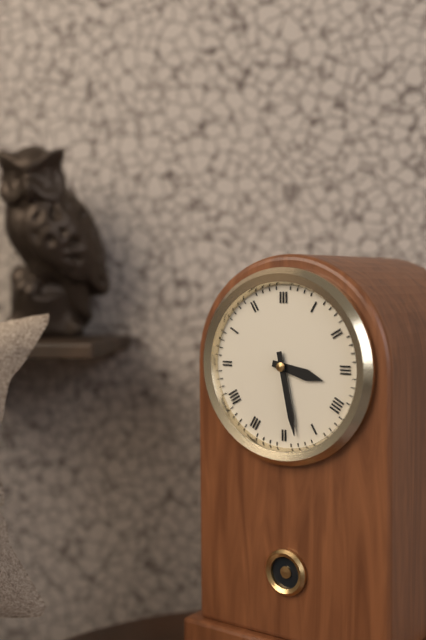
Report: 3 h 28 min
